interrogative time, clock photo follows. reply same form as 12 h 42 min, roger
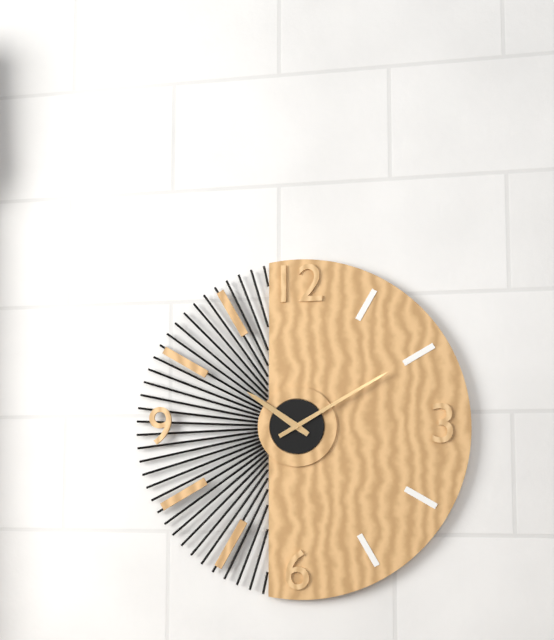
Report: 10 h 10 min
